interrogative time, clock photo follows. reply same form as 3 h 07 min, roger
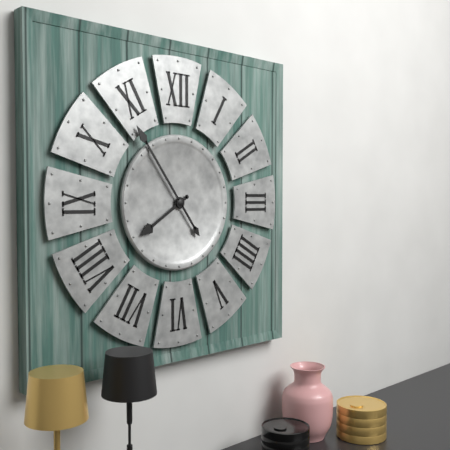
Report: 7 h 54 min
